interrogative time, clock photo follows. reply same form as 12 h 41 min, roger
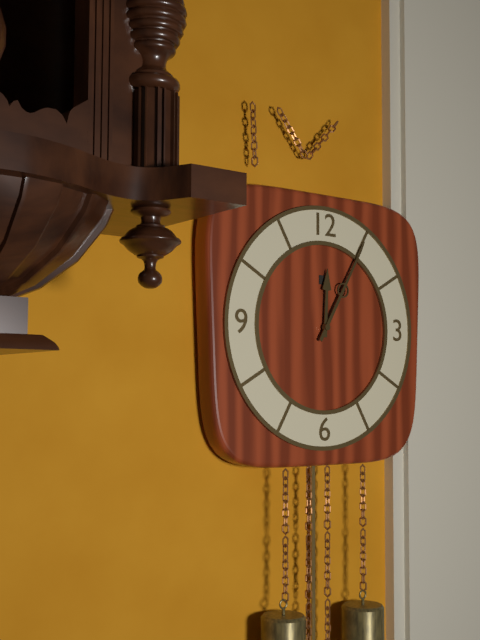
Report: 12 h 05 min
